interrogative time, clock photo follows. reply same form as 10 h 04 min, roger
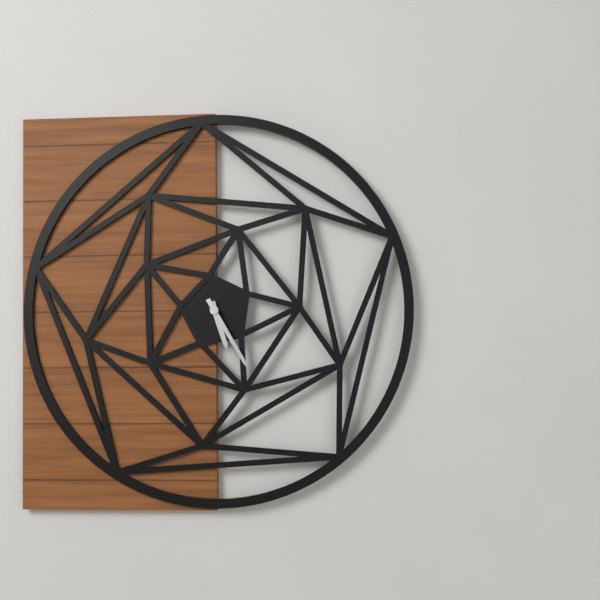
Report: 5 h 25 min
